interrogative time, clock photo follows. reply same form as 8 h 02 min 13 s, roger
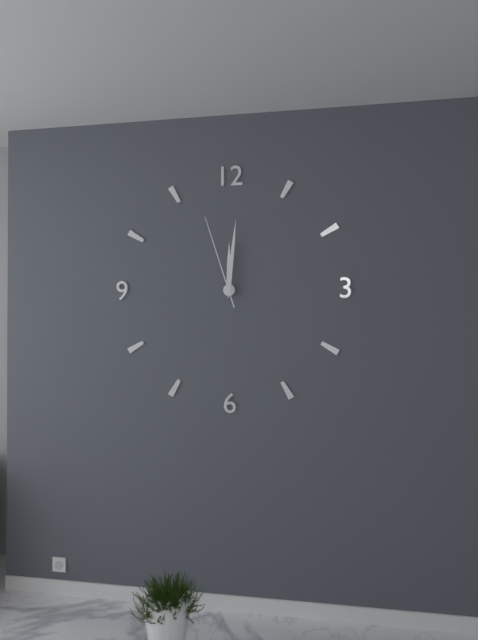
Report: 12 h 01 min 57 s
